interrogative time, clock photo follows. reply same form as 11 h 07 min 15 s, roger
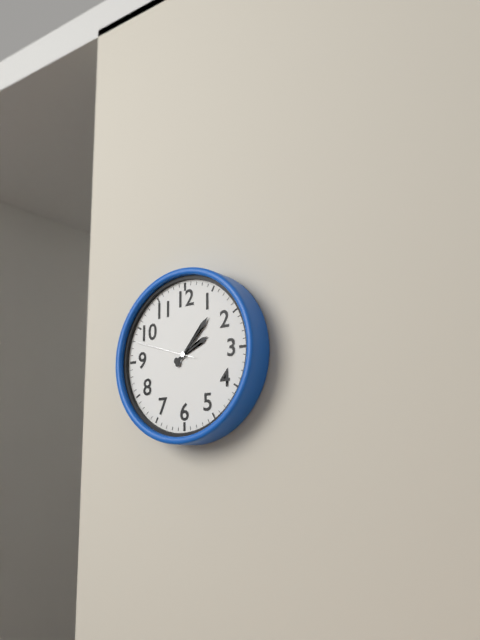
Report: 2 h 07 min 48 s
